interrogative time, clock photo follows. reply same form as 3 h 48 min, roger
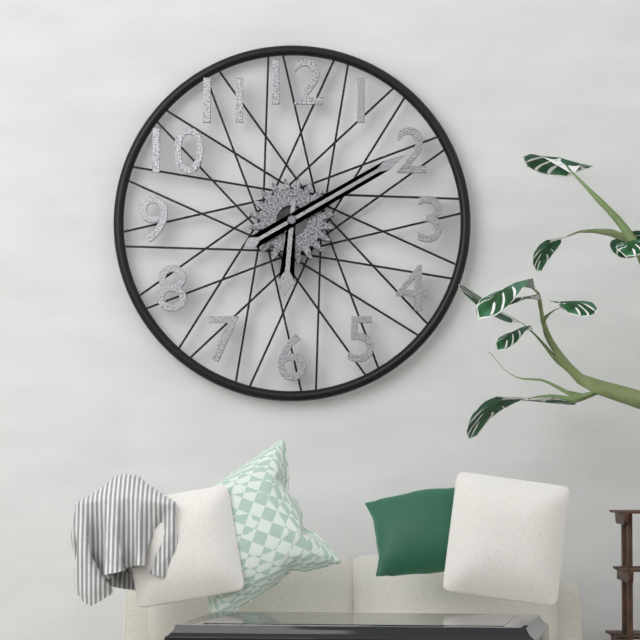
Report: 6 h 10 min
